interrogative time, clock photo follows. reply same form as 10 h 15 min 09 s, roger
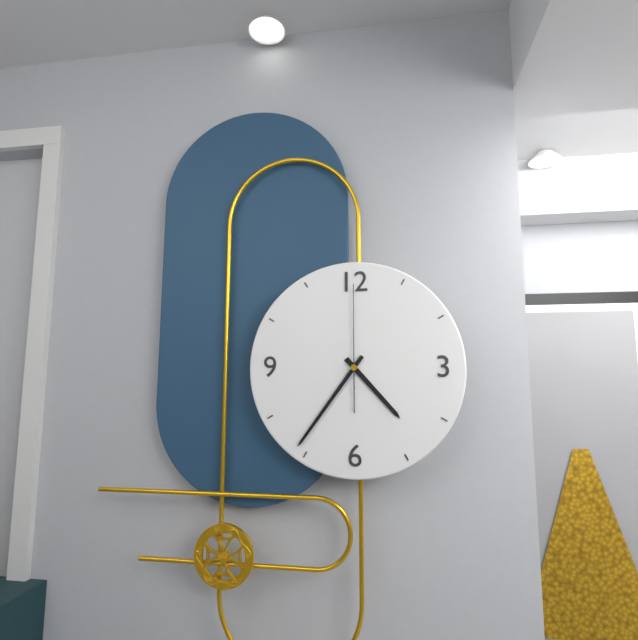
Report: 4 h 36 min 00 s
